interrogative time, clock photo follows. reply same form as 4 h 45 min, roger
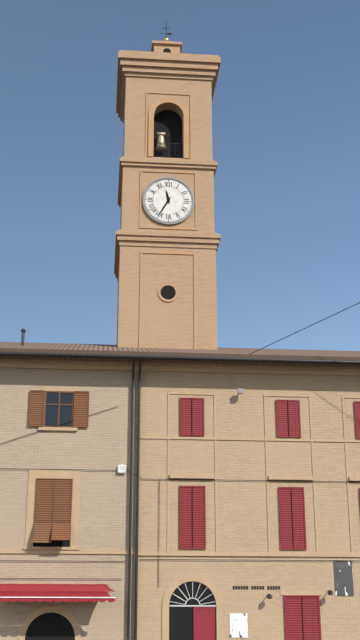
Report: 11 h 35 min
